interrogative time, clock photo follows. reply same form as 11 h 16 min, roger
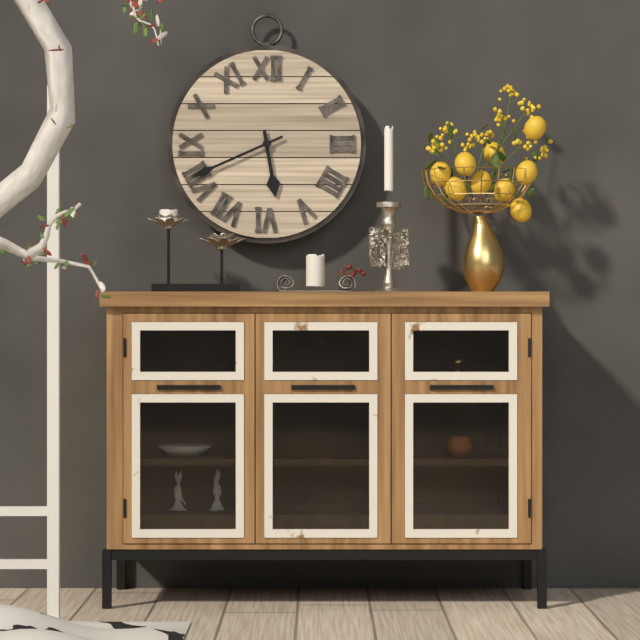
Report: 5 h 41 min
